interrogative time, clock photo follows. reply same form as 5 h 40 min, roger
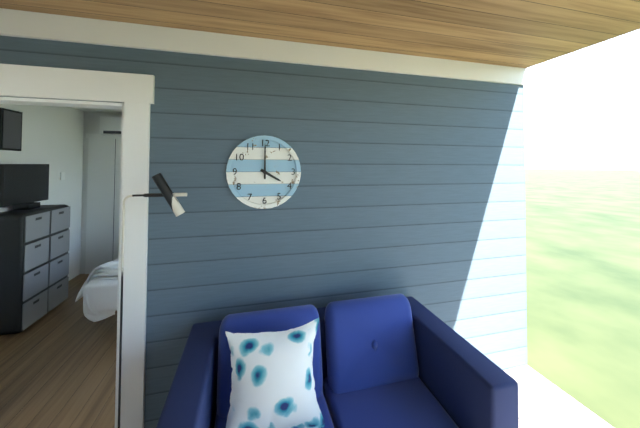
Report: 4 h 00 min
